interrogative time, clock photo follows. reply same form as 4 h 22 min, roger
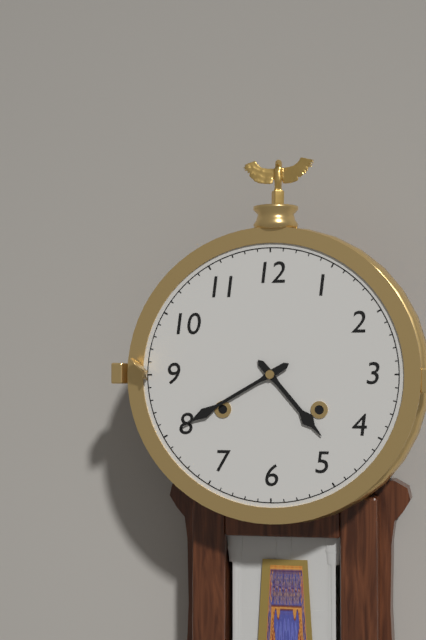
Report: 4 h 40 min
